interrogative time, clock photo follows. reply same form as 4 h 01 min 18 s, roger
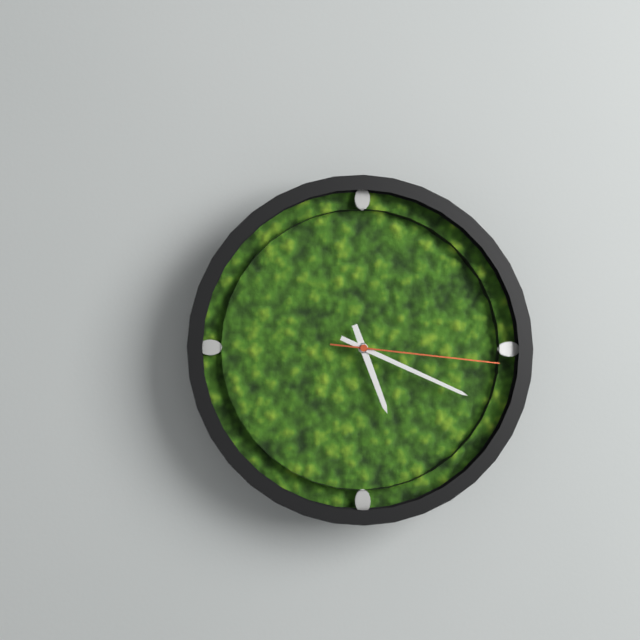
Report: 5 h 19 min 16 s
